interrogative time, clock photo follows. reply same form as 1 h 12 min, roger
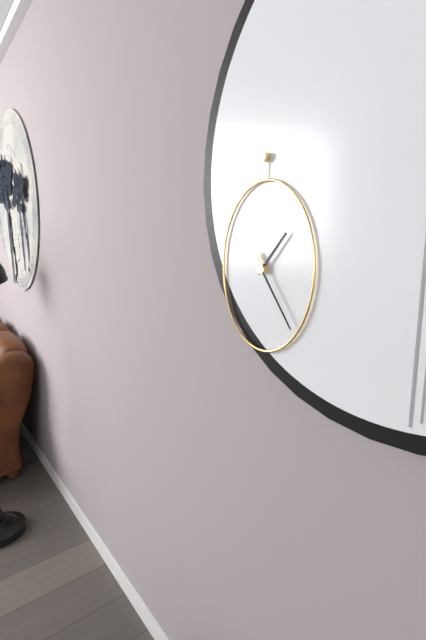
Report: 1 h 24 min
